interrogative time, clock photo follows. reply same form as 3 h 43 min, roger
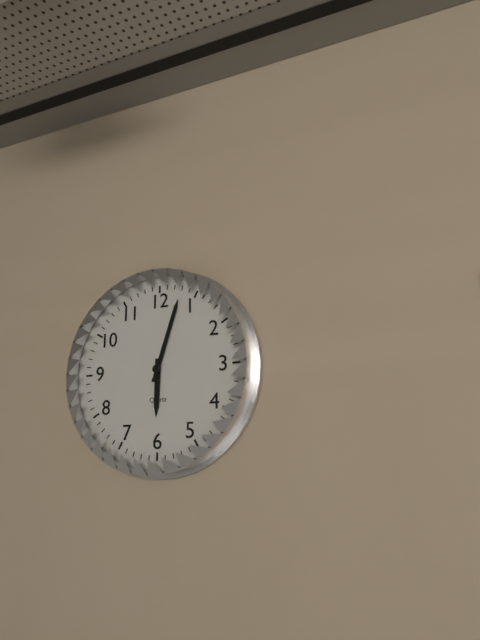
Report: 6 h 03 min
